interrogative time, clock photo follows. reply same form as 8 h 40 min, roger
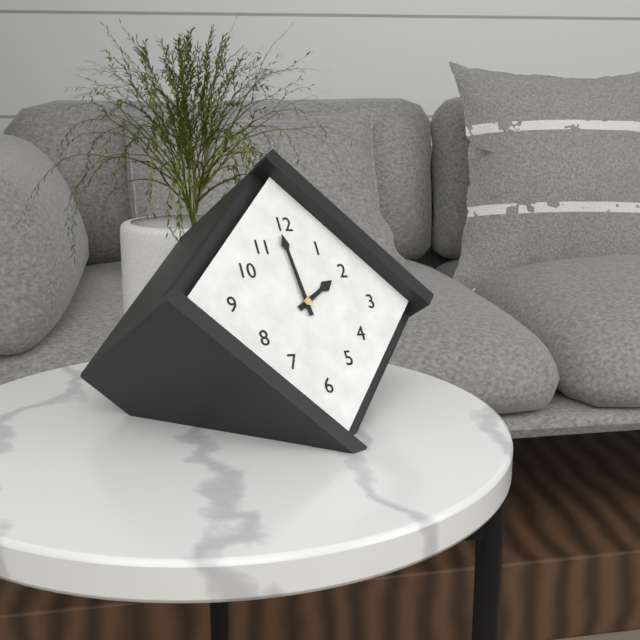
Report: 1 h 59 min
